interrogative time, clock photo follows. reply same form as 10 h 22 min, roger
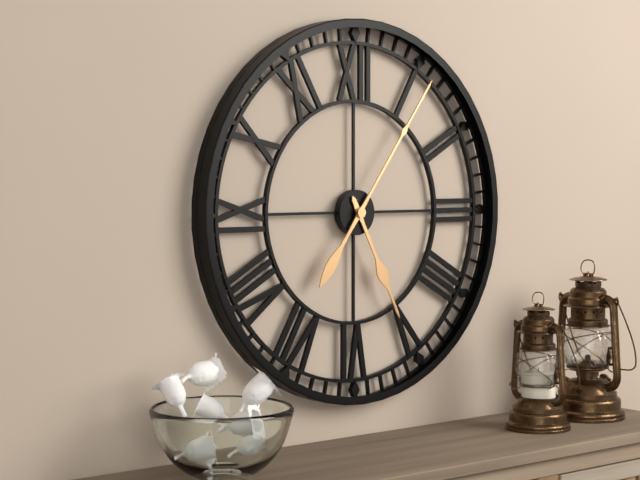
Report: 5 h 06 min
